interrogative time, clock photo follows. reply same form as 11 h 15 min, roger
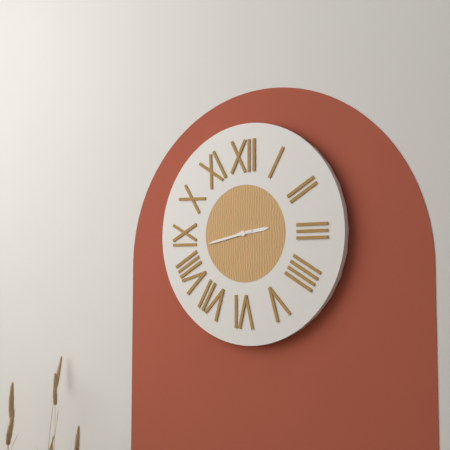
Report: 2 h 43 min
